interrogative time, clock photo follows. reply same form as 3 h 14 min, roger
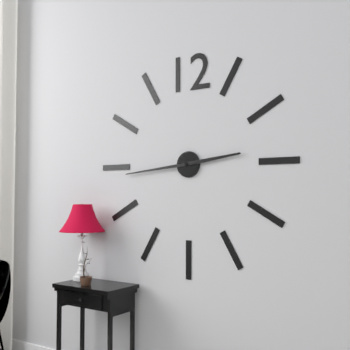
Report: 2 h 44 min
